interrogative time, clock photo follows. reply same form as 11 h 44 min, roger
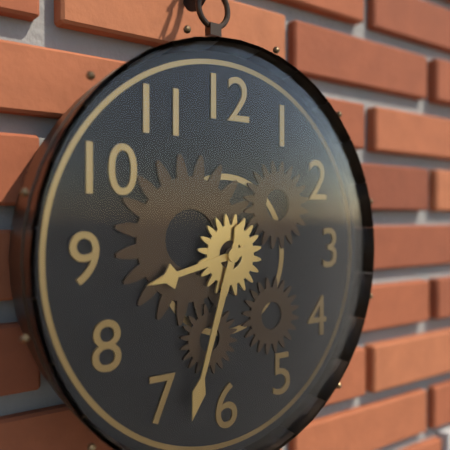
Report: 8 h 33 min
